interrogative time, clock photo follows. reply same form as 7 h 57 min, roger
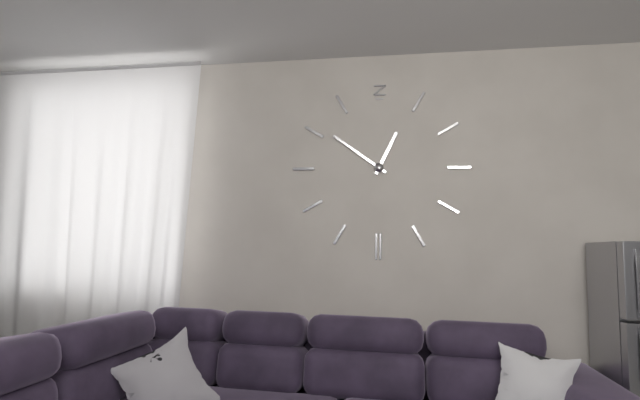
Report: 12 h 51 min
